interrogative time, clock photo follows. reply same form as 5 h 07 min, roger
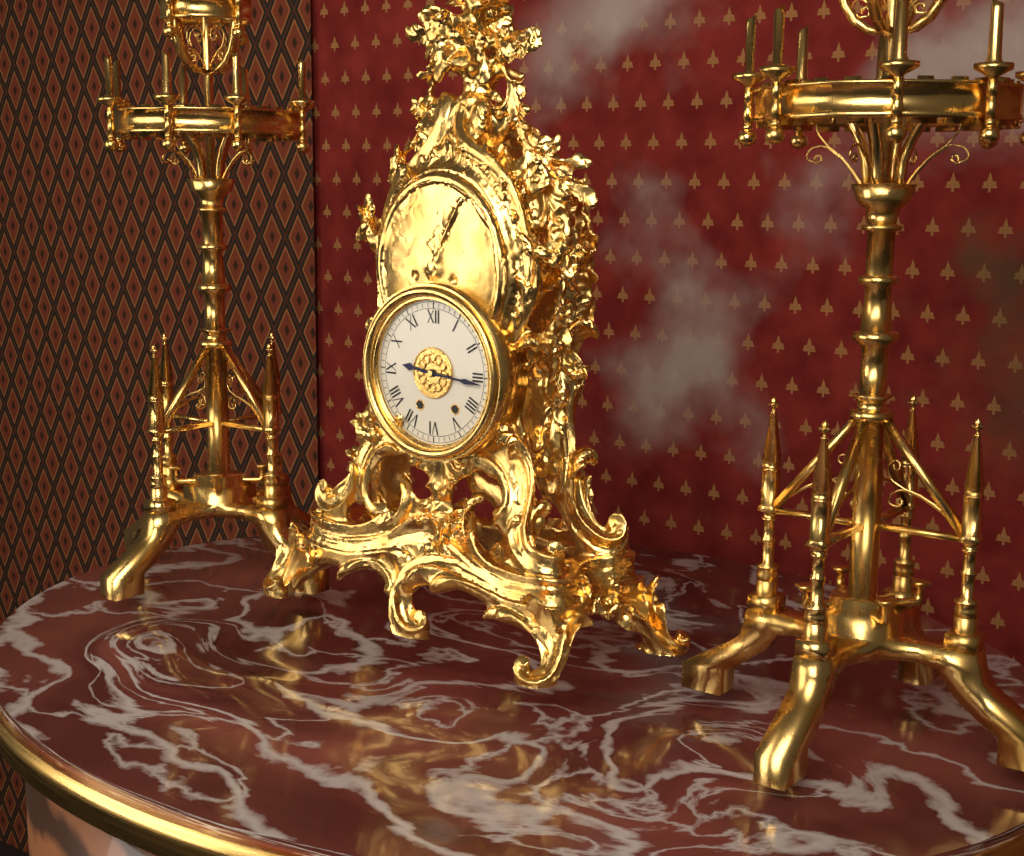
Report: 9 h 16 min
